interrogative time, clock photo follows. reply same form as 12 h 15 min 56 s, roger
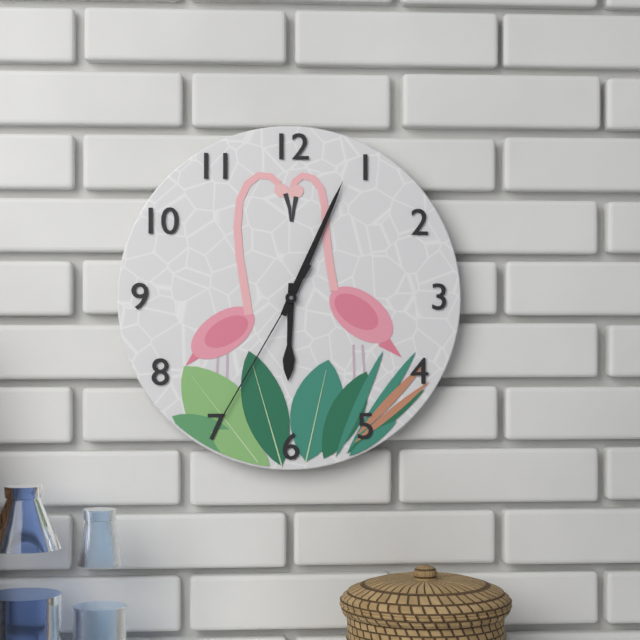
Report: 6 h 04 min 35 s
